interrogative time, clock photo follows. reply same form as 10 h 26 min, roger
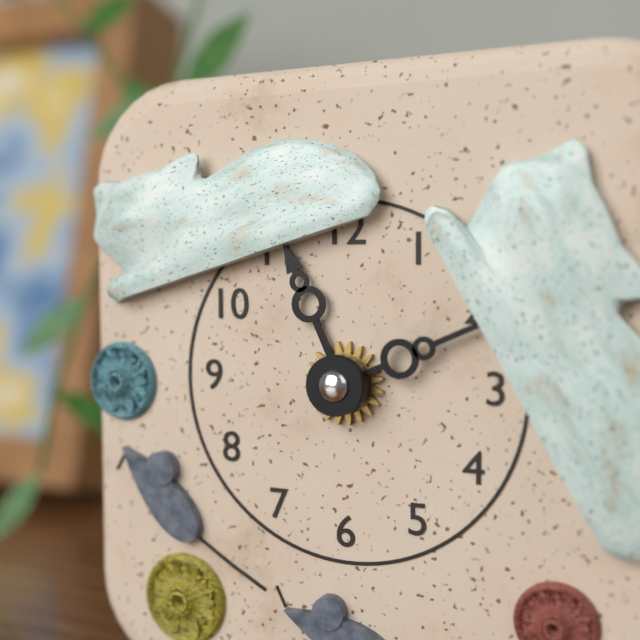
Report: 11 h 11 min
